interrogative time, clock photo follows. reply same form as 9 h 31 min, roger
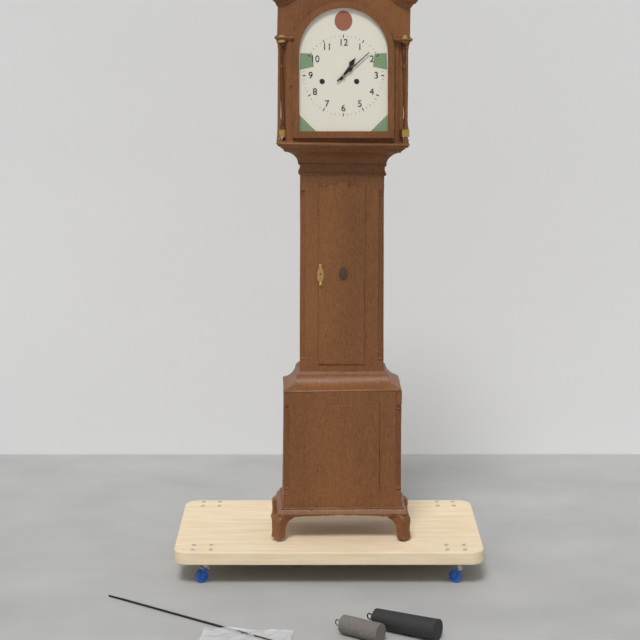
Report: 1 h 08 min
